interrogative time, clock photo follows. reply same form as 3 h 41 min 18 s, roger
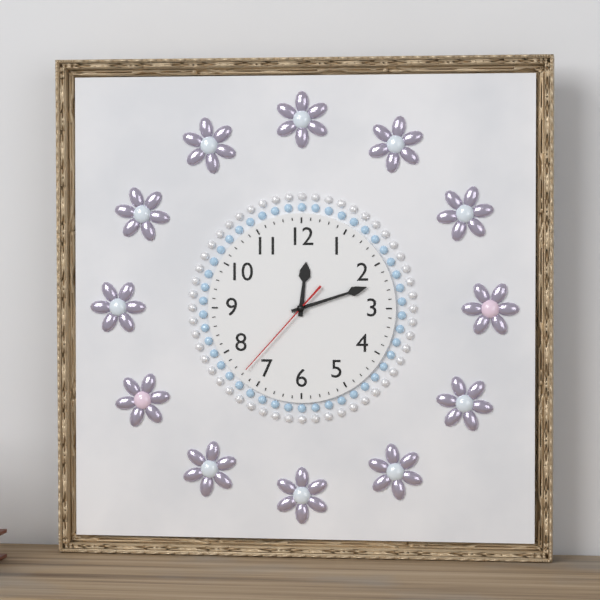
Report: 12 h 12 min 37 s
